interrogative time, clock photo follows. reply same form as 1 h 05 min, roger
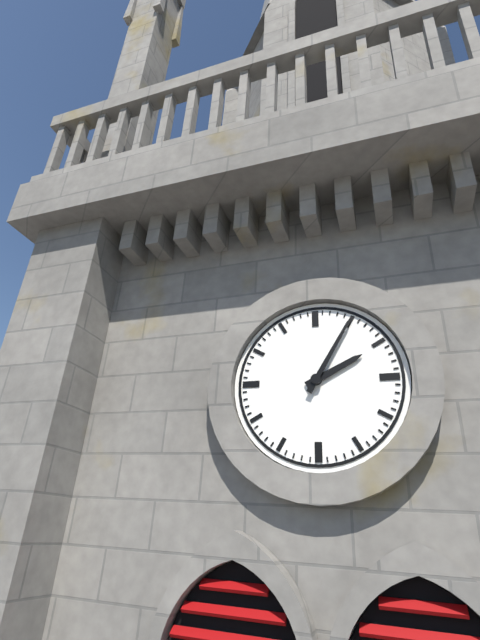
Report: 2 h 05 min
